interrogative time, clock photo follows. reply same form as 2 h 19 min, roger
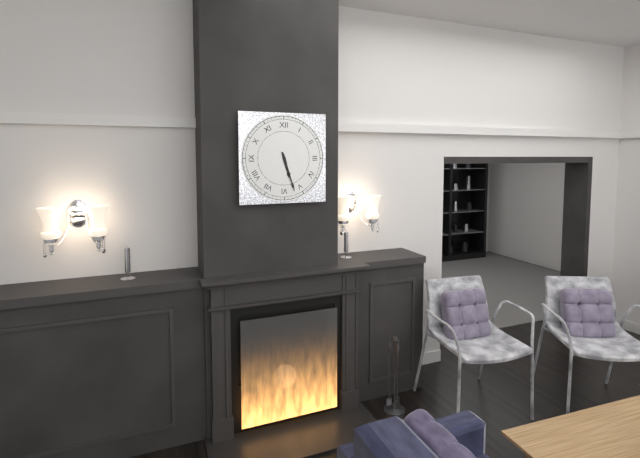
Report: 5 h 27 min
